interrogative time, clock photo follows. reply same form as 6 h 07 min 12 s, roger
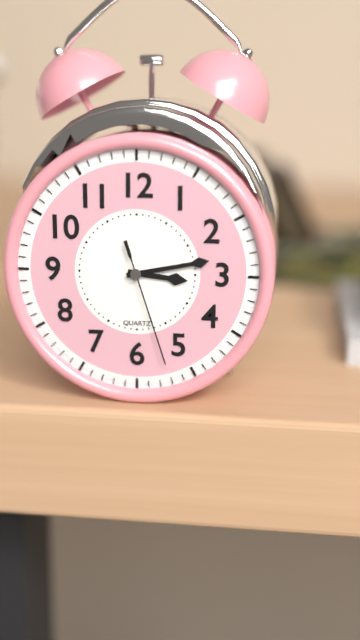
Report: 3 h 13 min 27 s
